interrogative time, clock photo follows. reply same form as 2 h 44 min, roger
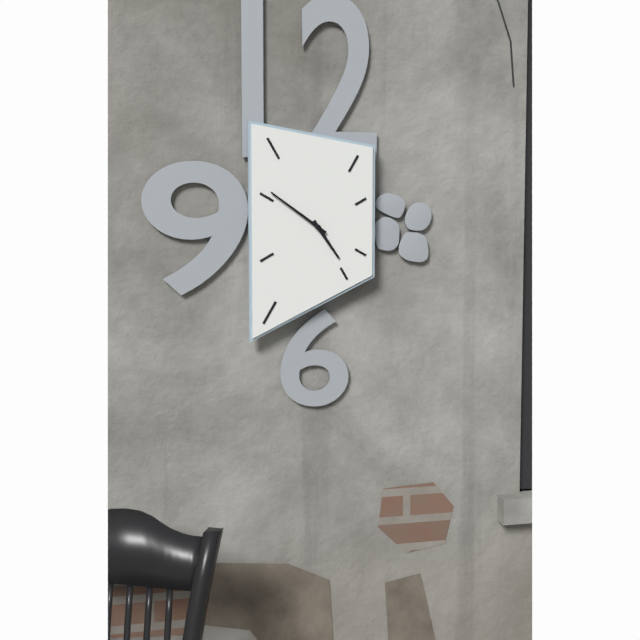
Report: 4 h 51 min
